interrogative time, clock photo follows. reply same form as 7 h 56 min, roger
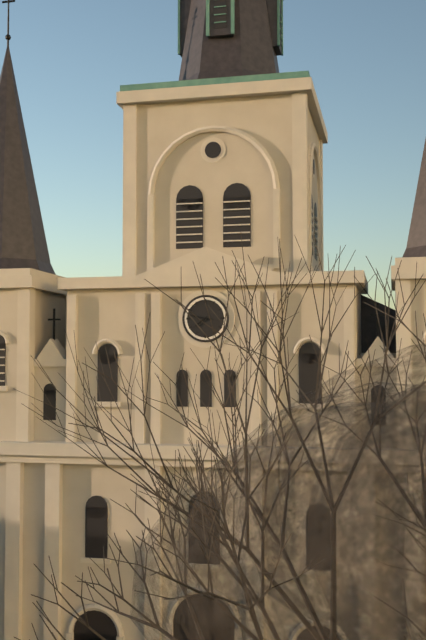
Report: 7 h 47 min
